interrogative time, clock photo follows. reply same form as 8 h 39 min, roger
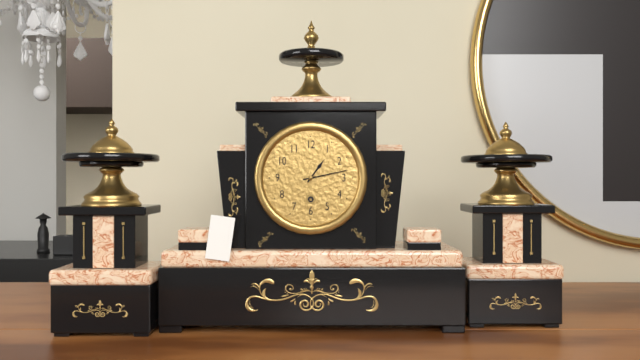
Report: 1 h 13 min
